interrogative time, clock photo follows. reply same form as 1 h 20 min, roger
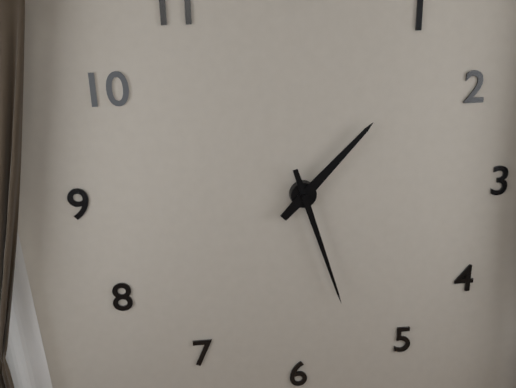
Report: 1 h 27 min
